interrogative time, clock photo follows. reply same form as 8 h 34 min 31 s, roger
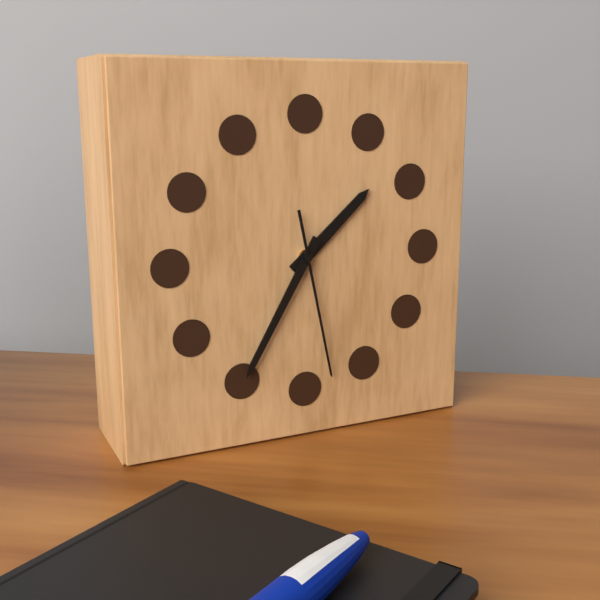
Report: 1 h 35 min 28 s
